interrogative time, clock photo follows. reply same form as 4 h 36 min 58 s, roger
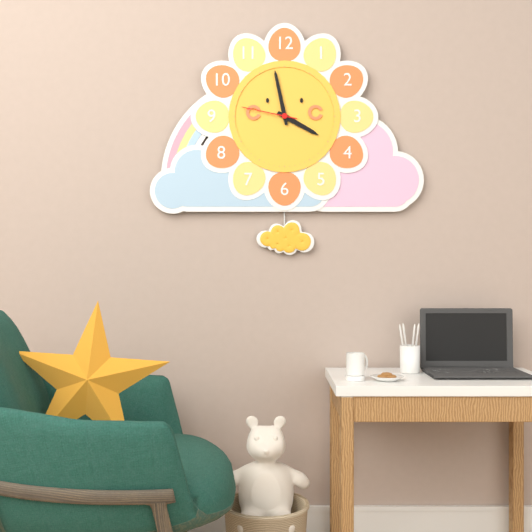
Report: 3 h 58 min 47 s
